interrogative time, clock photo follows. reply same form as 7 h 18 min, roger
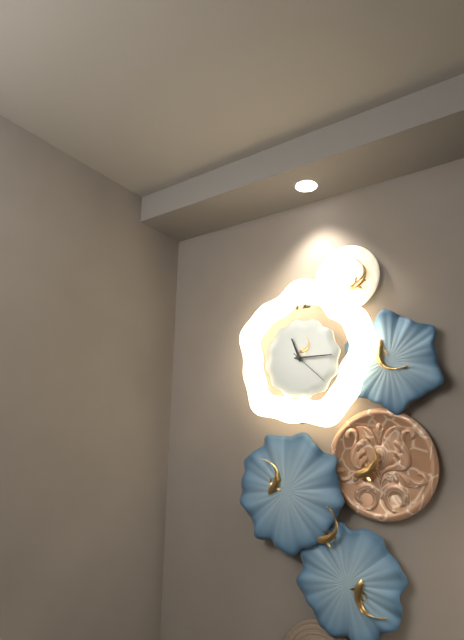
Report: 11 h 15 min
